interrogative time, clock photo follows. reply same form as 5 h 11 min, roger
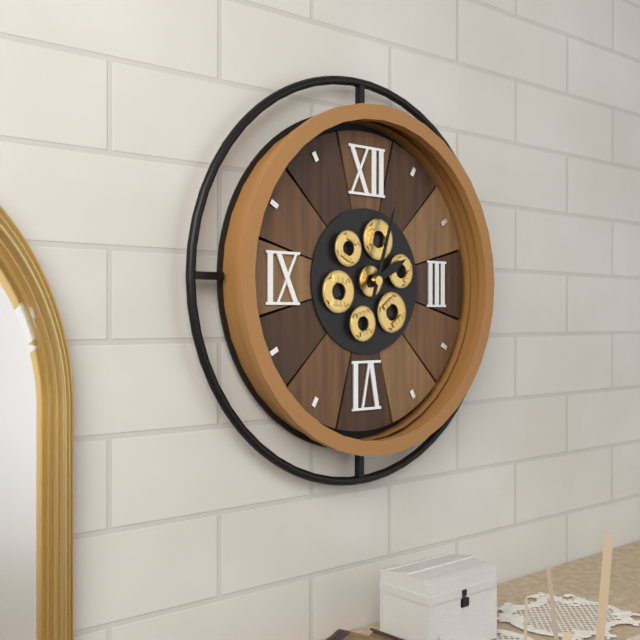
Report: 2 h 03 min
